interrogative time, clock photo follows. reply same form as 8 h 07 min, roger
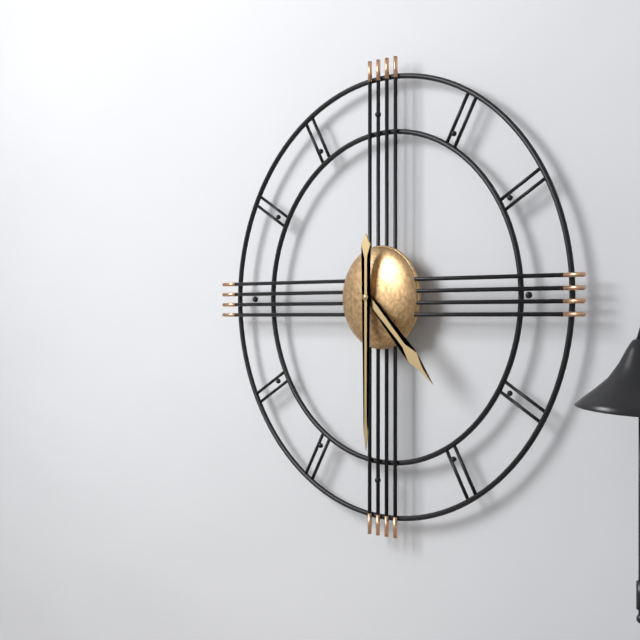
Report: 4 h 30 min
